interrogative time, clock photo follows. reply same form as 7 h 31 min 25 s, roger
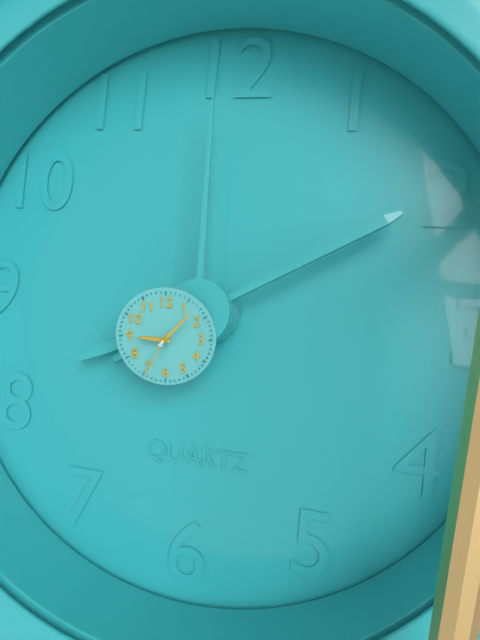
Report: 9 h 07 min 34 s
